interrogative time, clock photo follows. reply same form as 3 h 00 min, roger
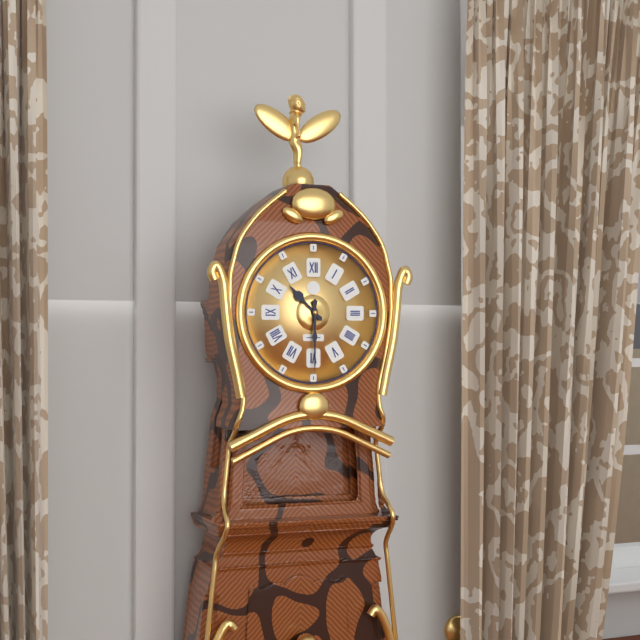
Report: 10 h 30 min
